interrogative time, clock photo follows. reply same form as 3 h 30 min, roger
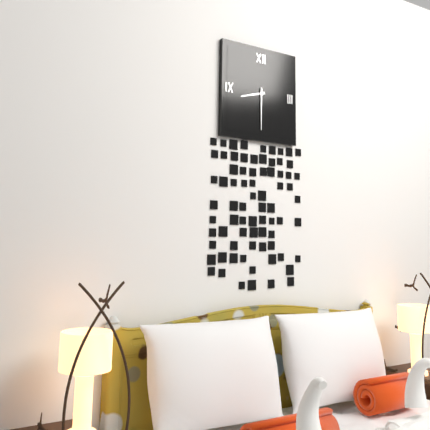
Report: 8 h 30 min
